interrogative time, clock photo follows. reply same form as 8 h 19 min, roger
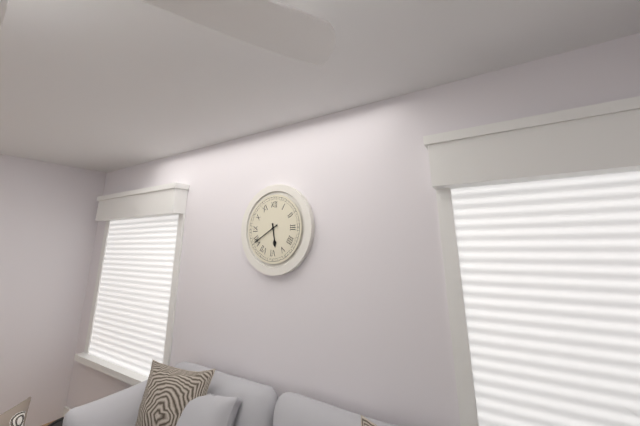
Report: 5 h 40 min
